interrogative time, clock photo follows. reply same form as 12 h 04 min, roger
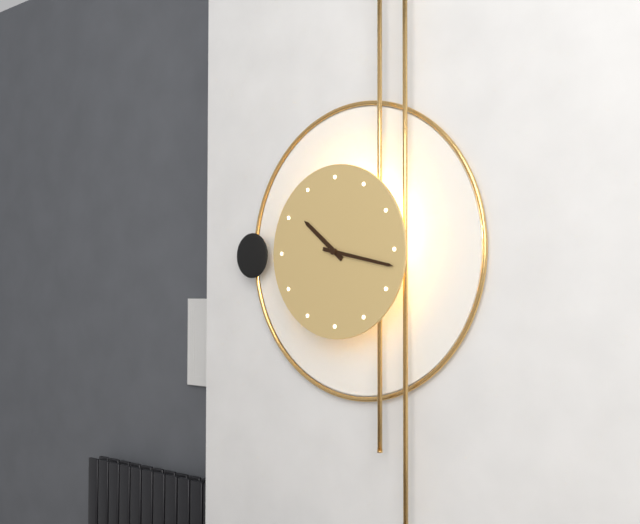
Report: 10 h 17 min
